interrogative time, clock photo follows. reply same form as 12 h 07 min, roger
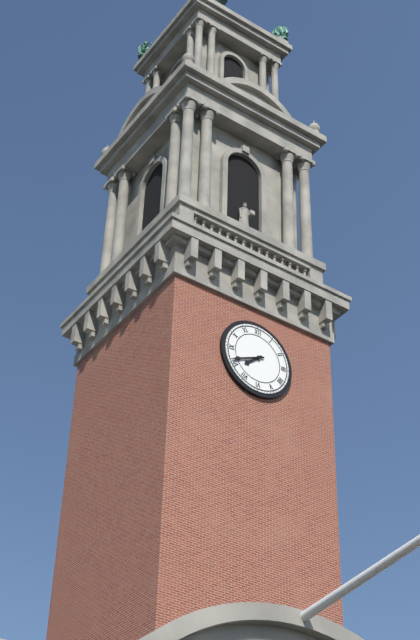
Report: 7 h 41 min
